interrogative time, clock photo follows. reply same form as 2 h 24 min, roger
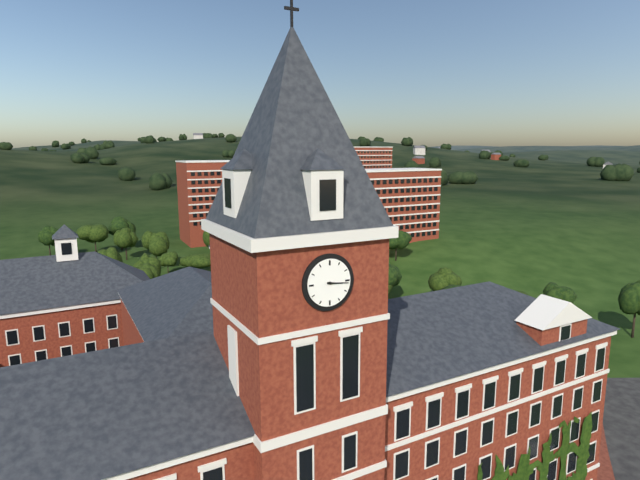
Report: 3 h 16 min
